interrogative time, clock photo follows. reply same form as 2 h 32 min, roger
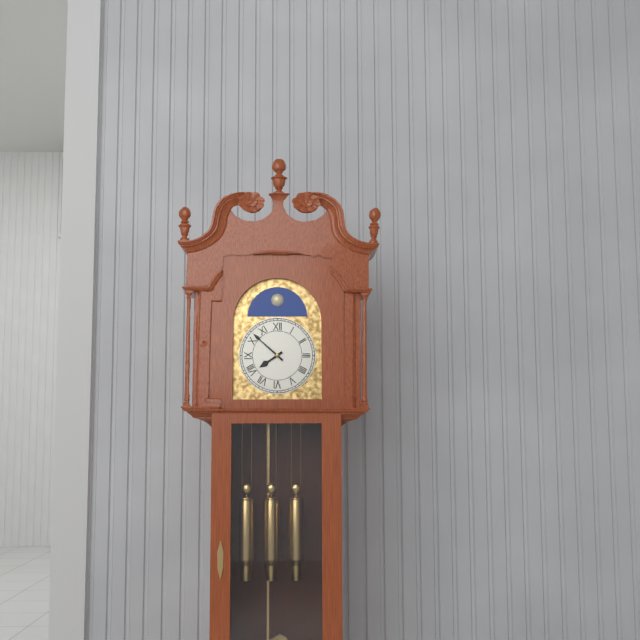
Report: 7 h 52 min
